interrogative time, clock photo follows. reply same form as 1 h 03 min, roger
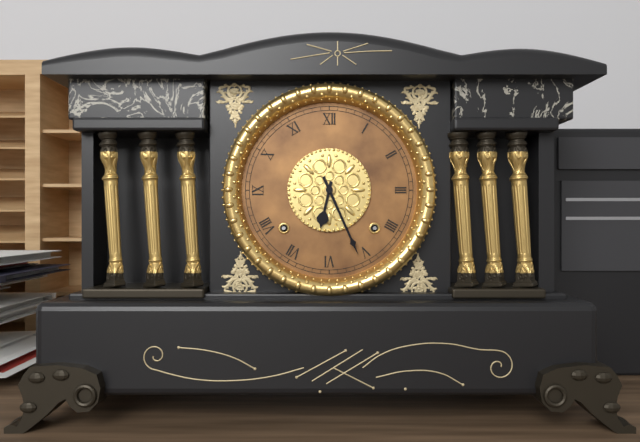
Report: 6 h 26 min
